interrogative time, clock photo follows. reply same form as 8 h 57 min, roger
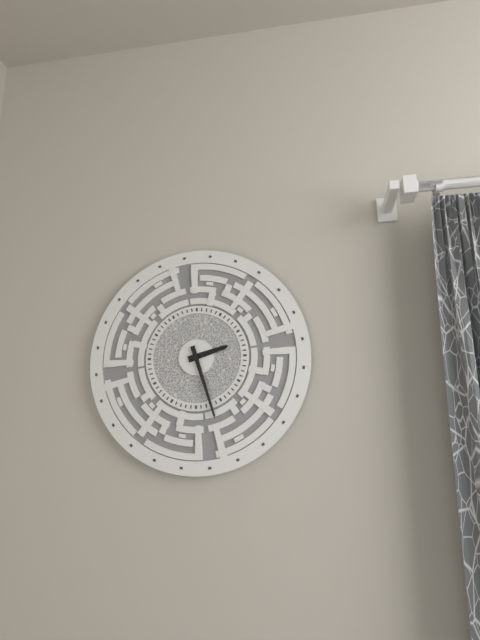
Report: 2 h 27 min
